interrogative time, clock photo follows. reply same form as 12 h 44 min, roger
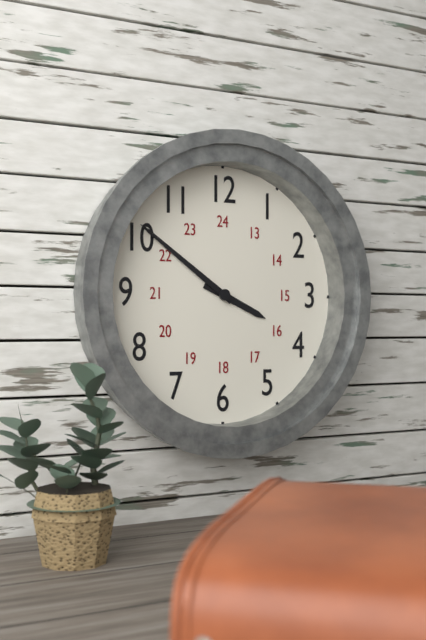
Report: 3 h 51 min
